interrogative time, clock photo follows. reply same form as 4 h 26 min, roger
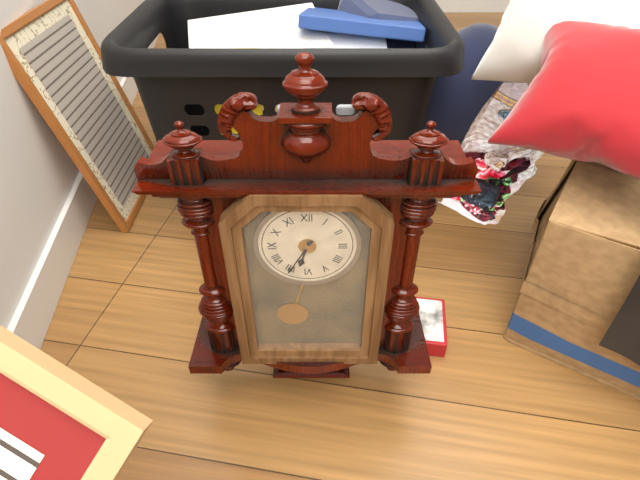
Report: 6 h 35 min
